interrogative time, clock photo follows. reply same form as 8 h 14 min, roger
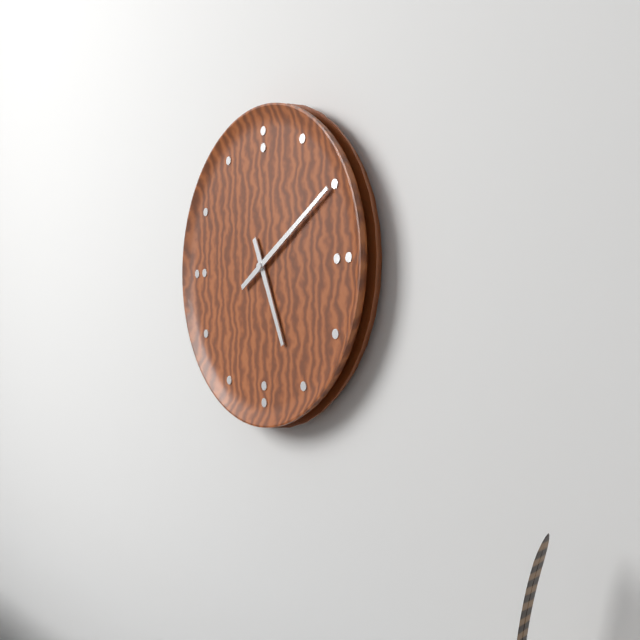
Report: 5 h 10 min
